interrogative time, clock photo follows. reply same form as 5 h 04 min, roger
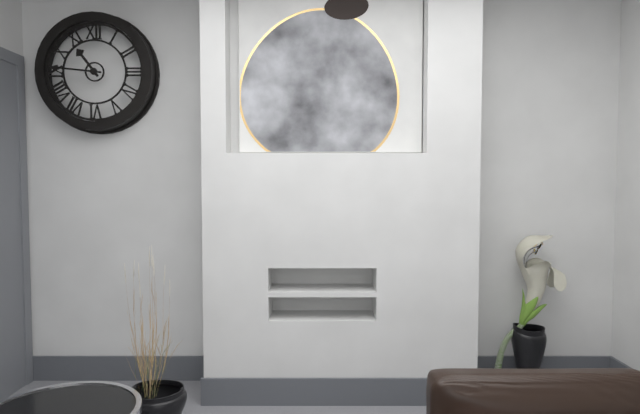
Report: 10 h 46 min
